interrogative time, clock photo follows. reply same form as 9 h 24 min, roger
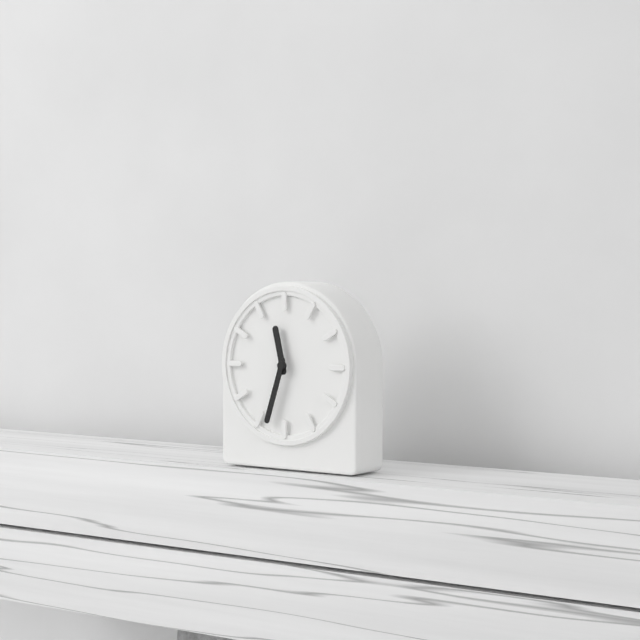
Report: 11 h 33 min
